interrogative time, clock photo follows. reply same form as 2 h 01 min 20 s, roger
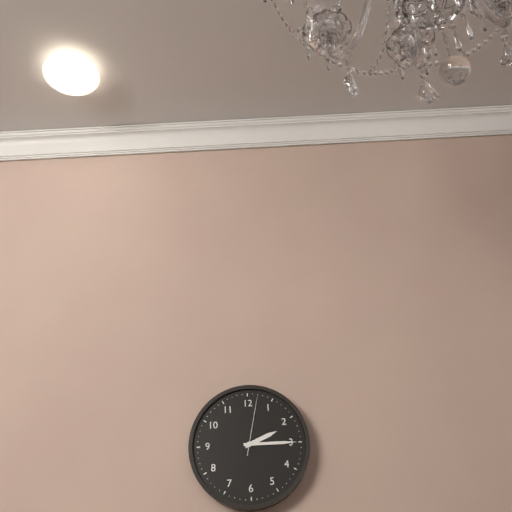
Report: 2 h 15 min 02 s
